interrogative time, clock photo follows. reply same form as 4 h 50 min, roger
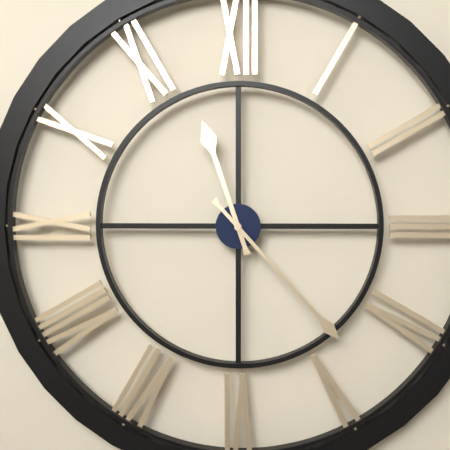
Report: 11 h 23 min
